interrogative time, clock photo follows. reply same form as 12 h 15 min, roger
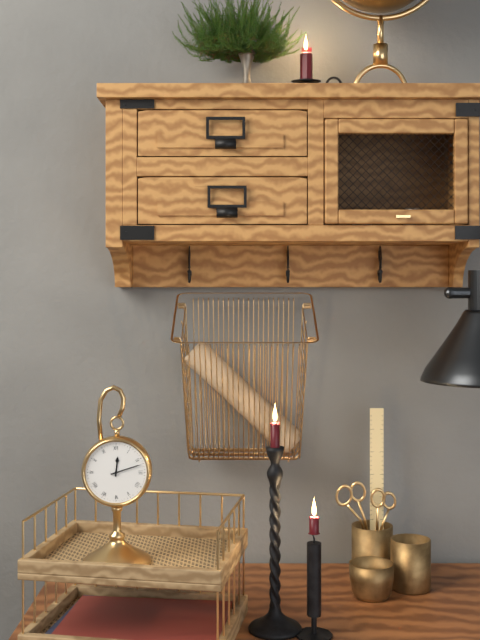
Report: 12 h 12 min
